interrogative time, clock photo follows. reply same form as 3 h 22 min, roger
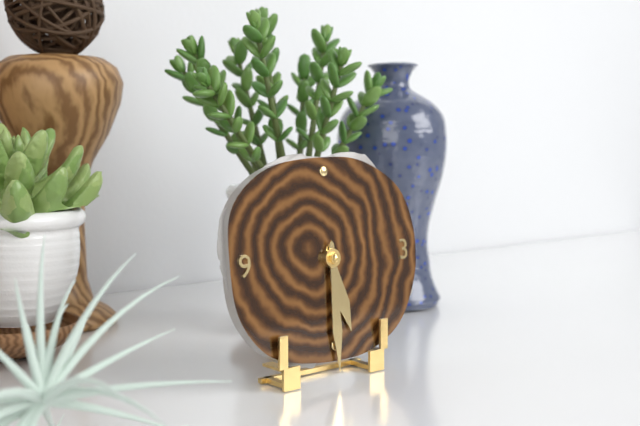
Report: 5 h 30 min
